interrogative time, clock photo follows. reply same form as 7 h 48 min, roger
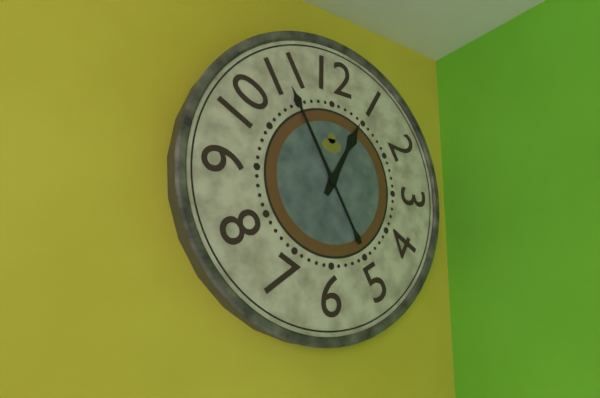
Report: 12 h 55 min
